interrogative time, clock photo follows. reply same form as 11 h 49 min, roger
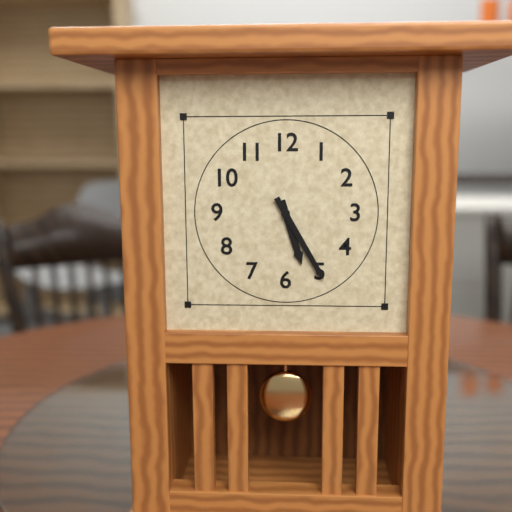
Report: 5 h 25 min
